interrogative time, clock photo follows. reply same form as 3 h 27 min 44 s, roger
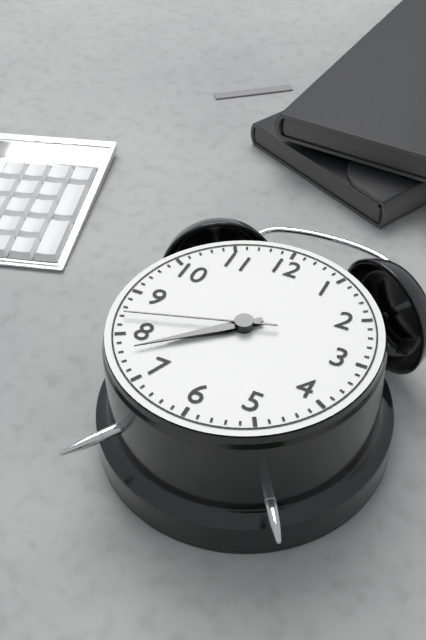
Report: 7 h 38 min 42 s
